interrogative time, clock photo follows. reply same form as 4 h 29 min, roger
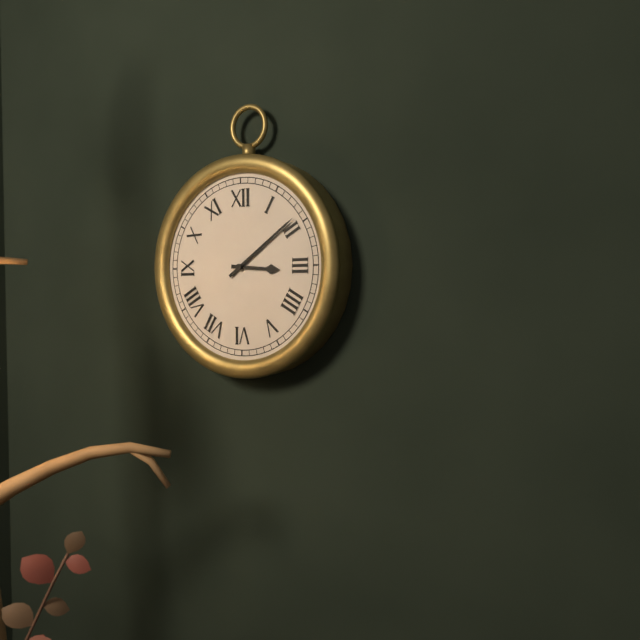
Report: 3 h 09 min
